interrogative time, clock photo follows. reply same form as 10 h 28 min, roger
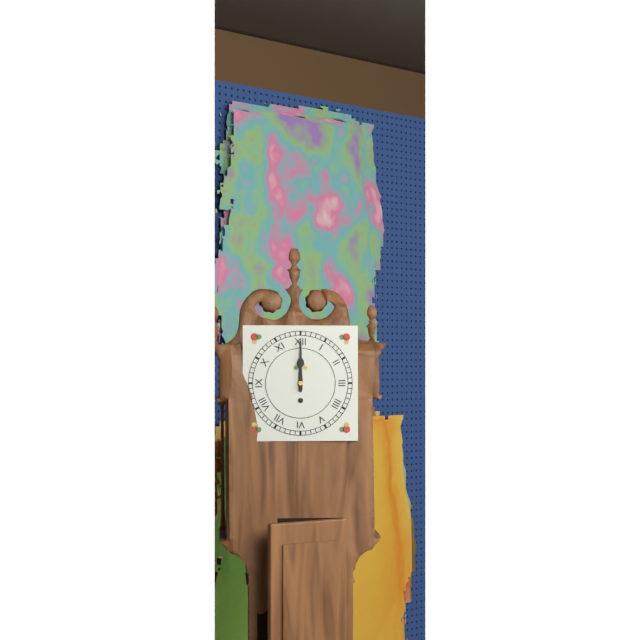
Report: 12 h 00 min
